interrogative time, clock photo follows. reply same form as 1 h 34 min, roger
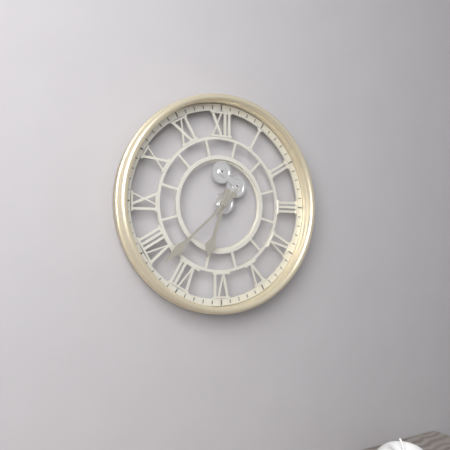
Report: 6 h 38 min
